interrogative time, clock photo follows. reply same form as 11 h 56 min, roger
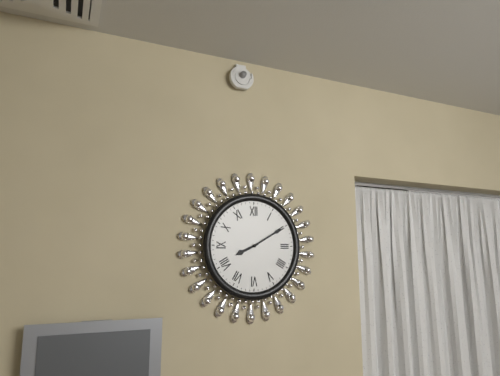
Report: 8 h 10 min
